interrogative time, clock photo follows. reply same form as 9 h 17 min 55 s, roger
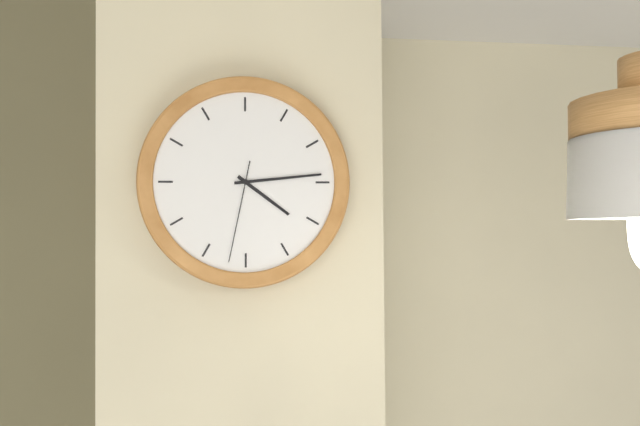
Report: 4 h 14 min 32 s
